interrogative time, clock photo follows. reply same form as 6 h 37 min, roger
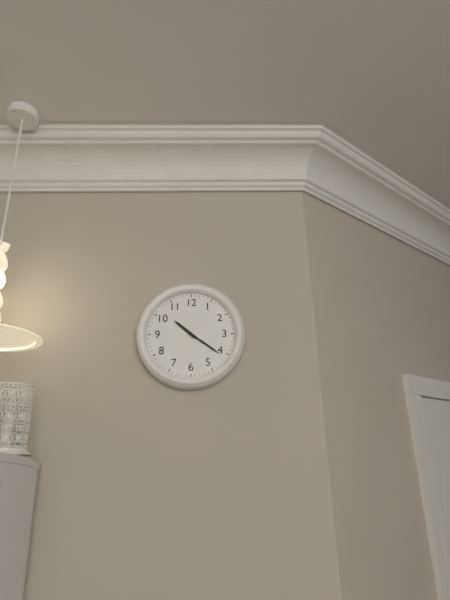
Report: 10 h 21 min
